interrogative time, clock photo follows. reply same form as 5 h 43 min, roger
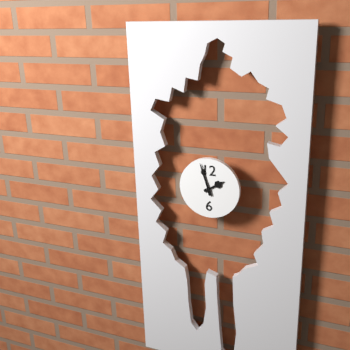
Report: 1 h 57 min
